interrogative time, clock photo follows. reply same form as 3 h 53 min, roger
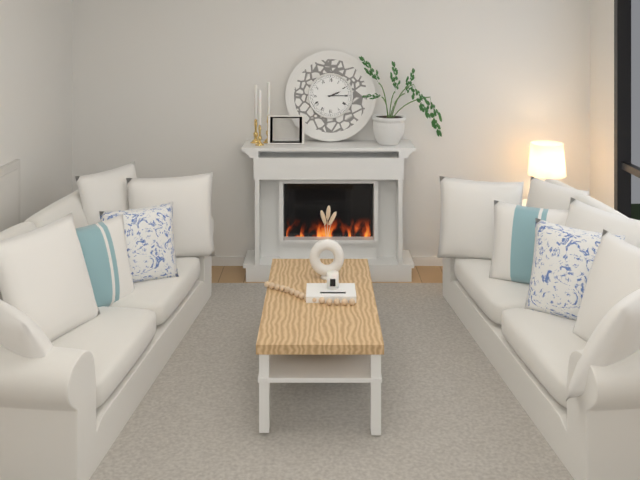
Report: 2 h 15 min
